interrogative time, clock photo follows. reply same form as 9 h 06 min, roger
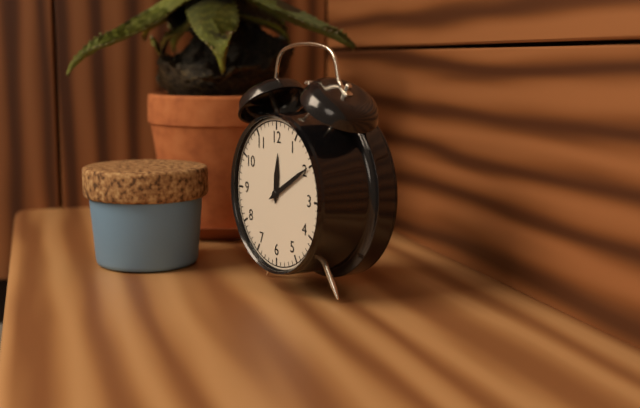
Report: 12 h 10 min
